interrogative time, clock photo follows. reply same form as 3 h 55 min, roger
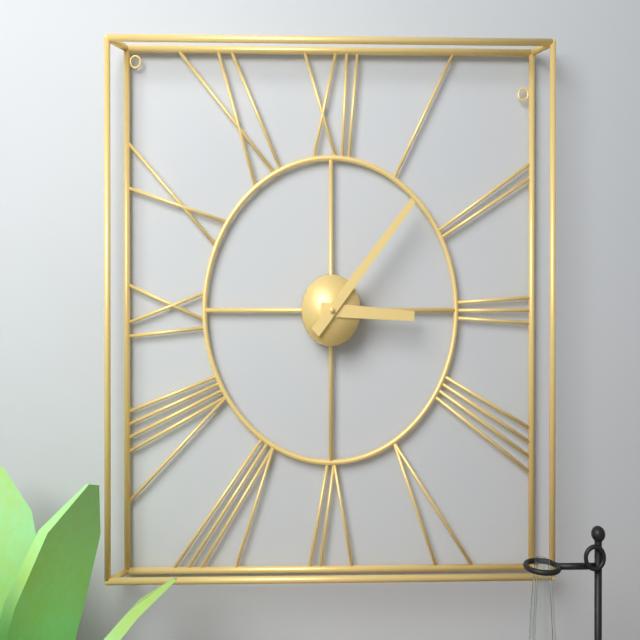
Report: 3 h 07 min
